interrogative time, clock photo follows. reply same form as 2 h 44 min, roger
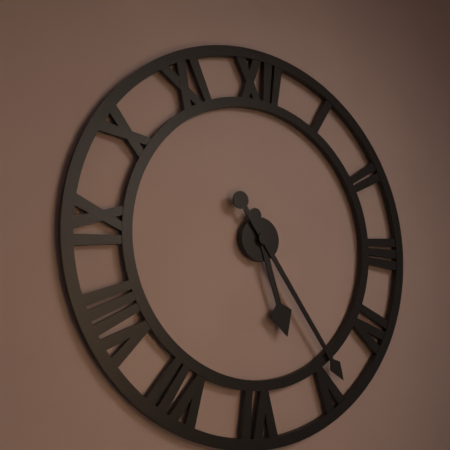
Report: 5 h 24 min
